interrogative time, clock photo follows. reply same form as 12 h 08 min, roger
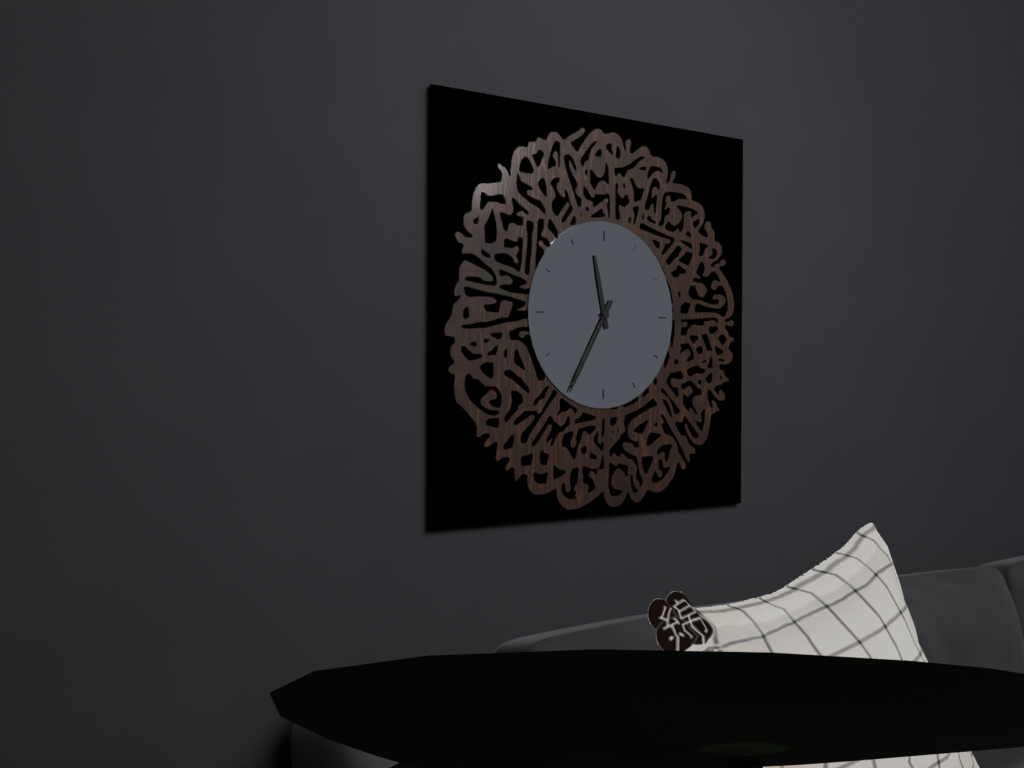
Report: 11 h 35 min
